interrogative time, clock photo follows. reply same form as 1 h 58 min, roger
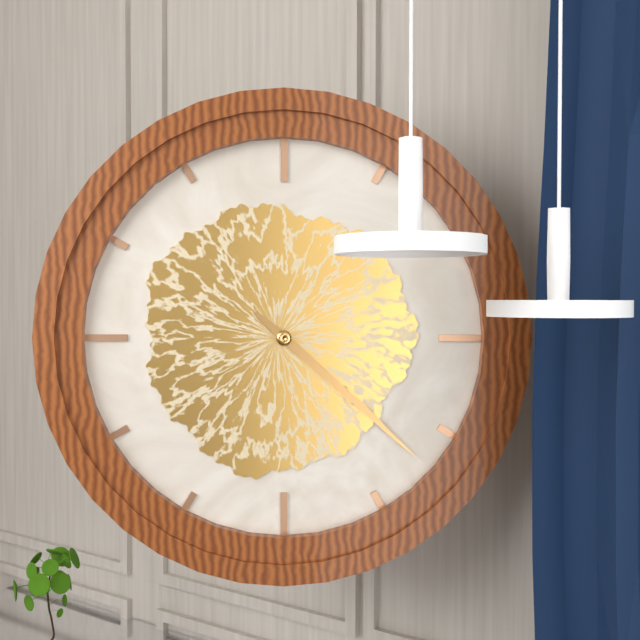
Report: 4 h 22 min
